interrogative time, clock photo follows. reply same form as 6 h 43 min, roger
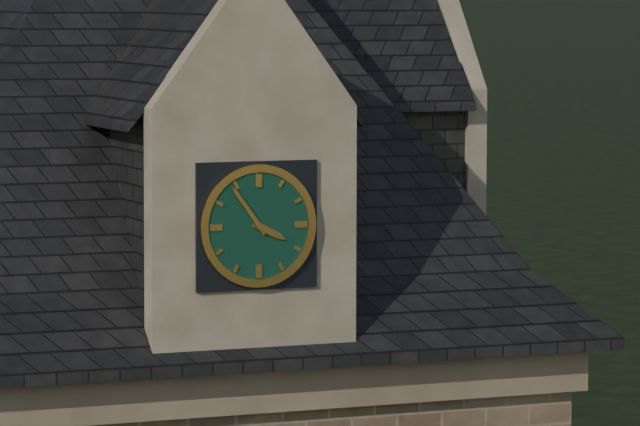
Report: 3 h 54 min
